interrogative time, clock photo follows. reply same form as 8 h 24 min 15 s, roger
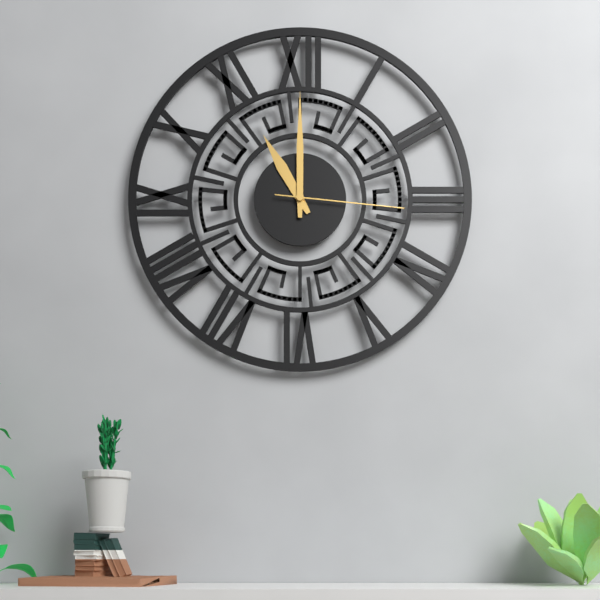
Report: 11 h 00 min 16 s
